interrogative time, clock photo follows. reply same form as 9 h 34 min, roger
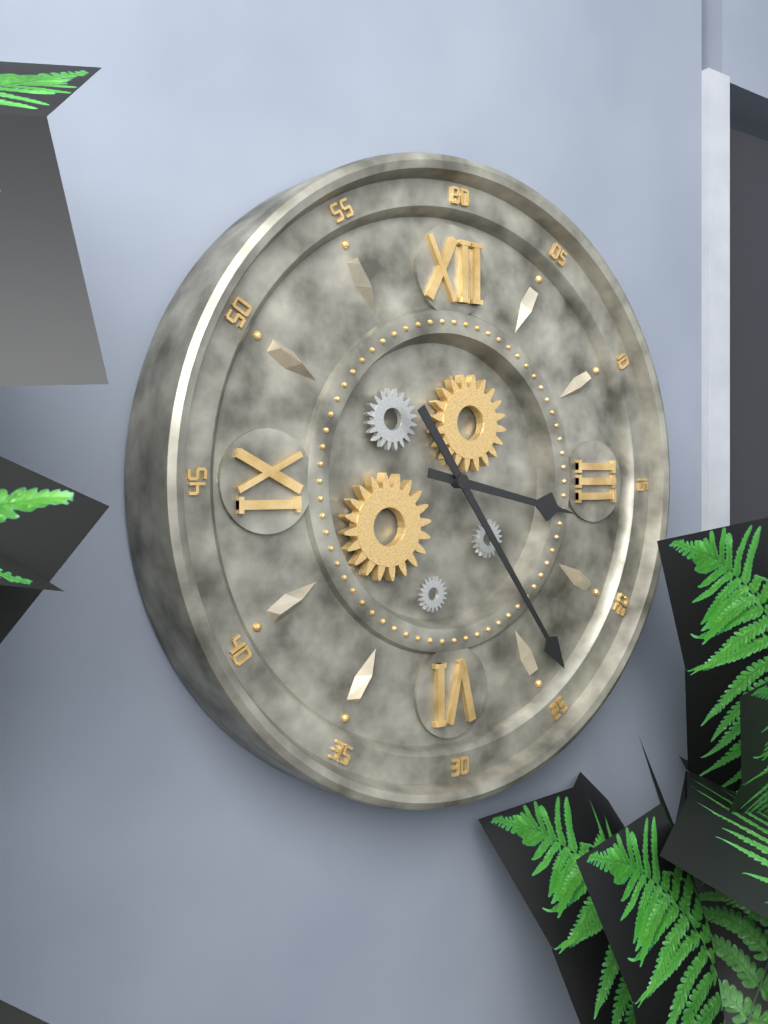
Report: 3 h 24 min
